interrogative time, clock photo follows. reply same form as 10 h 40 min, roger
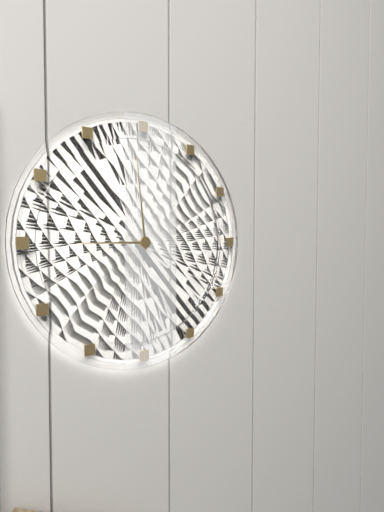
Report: 8 h 59 min
